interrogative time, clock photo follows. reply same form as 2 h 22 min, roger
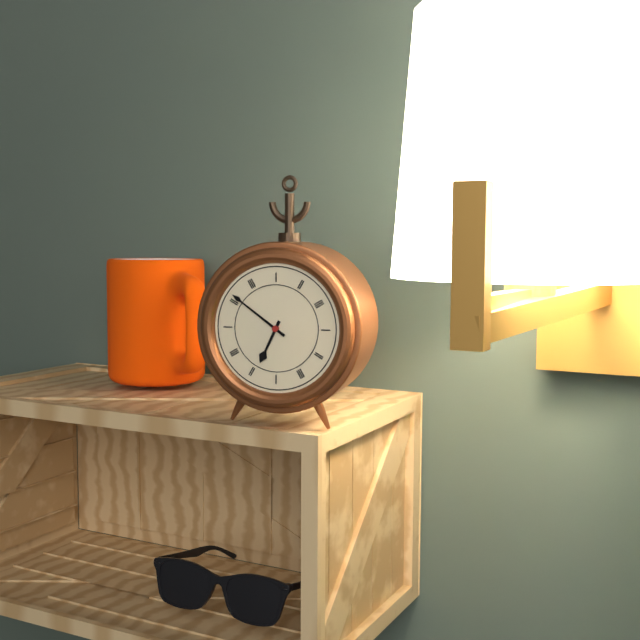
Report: 6 h 51 min
